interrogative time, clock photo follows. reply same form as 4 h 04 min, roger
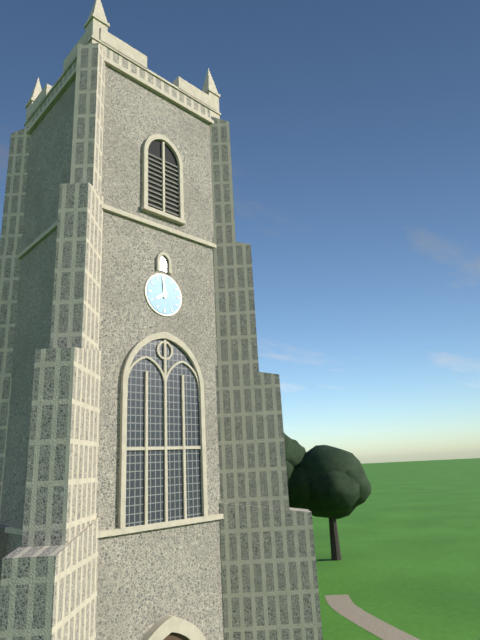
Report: 7 h 59 min
